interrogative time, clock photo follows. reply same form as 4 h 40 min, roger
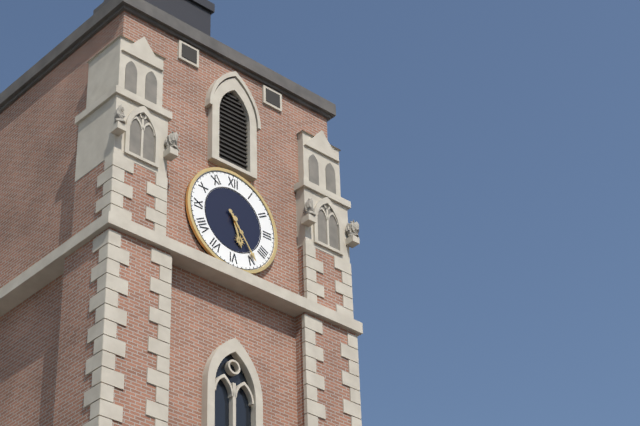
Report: 5 h 24 min
